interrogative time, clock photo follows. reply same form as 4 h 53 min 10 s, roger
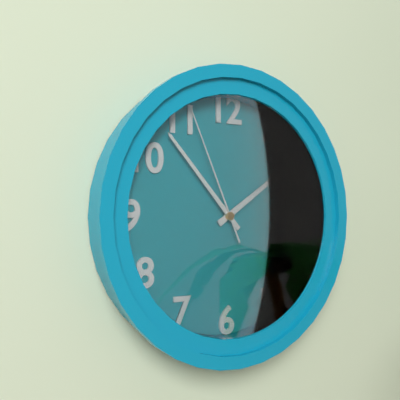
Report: 1 h 53 min 56 s
